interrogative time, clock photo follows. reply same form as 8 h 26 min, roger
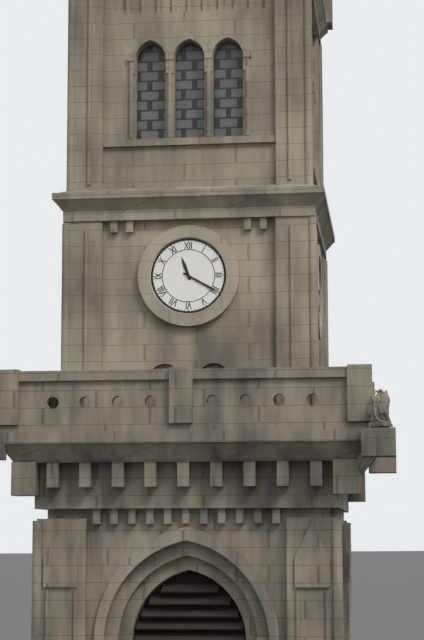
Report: 11 h 20 min
